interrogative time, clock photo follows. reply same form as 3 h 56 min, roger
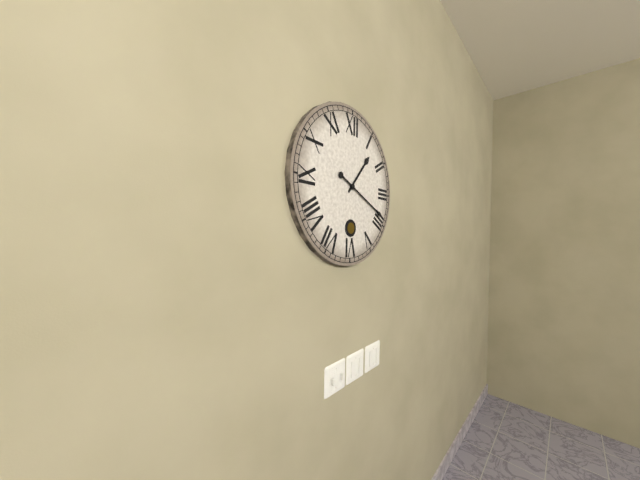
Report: 1 h 19 min
